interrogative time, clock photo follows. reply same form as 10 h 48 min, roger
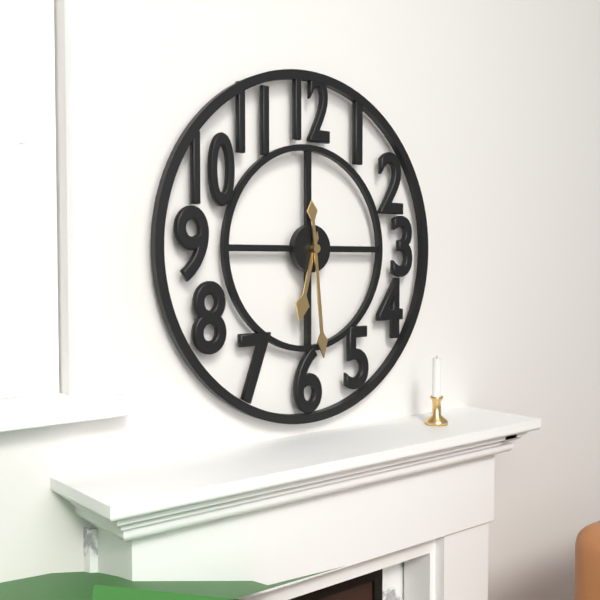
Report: 6 h 29 min
